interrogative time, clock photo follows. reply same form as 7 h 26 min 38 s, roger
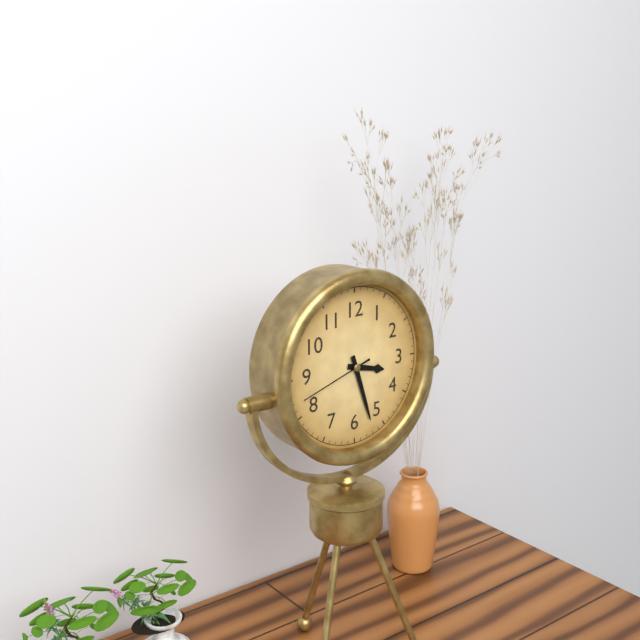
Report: 3 h 27 min 42 s
